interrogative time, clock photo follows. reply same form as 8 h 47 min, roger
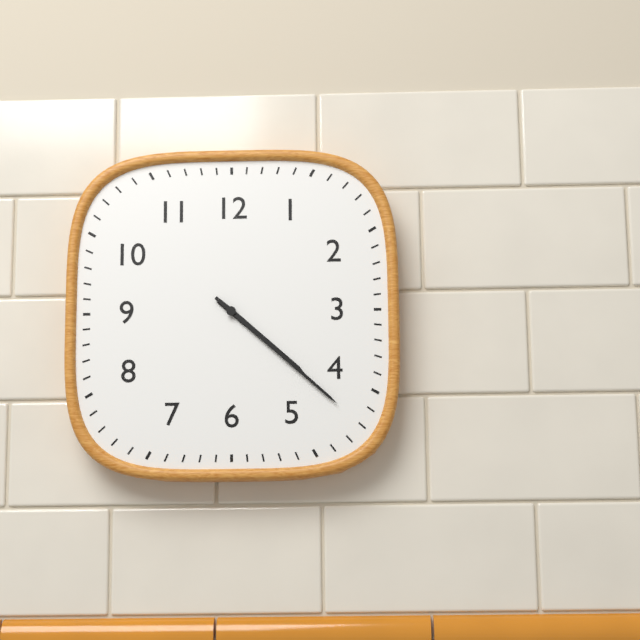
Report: 4 h 22 min
